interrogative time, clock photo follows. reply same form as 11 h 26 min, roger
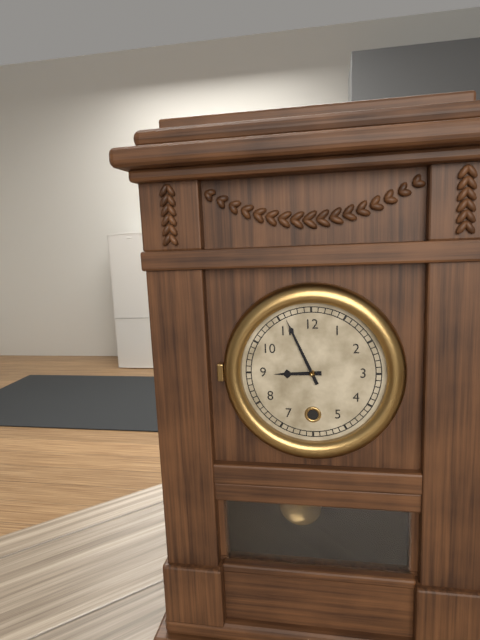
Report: 8 h 56 min
